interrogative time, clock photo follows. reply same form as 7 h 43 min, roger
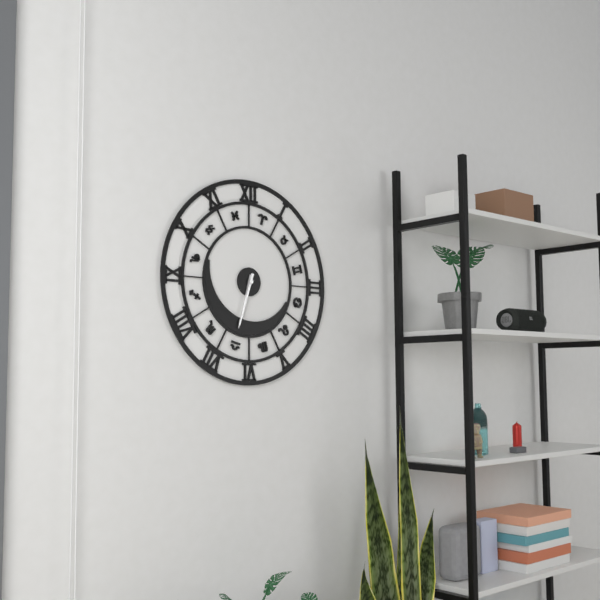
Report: 6 h 33 min
